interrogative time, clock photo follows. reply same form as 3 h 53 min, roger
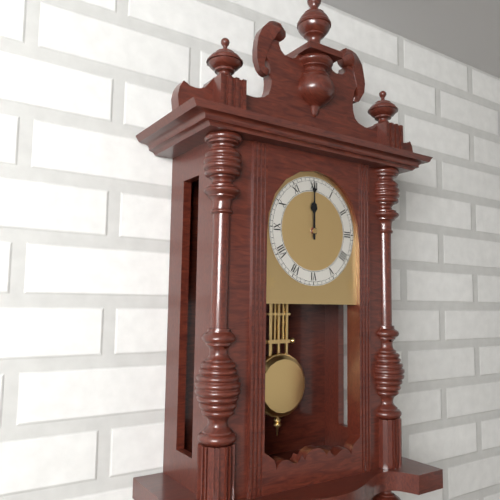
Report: 12 h 00 min
